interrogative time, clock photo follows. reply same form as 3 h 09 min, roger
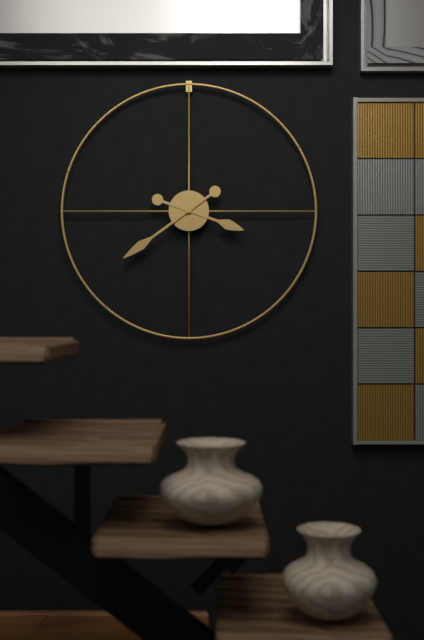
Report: 3 h 39 min
